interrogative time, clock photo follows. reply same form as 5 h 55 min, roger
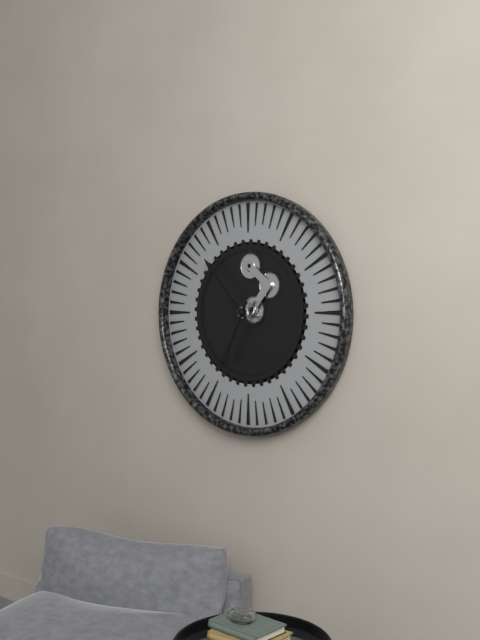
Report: 6 h 53 min
